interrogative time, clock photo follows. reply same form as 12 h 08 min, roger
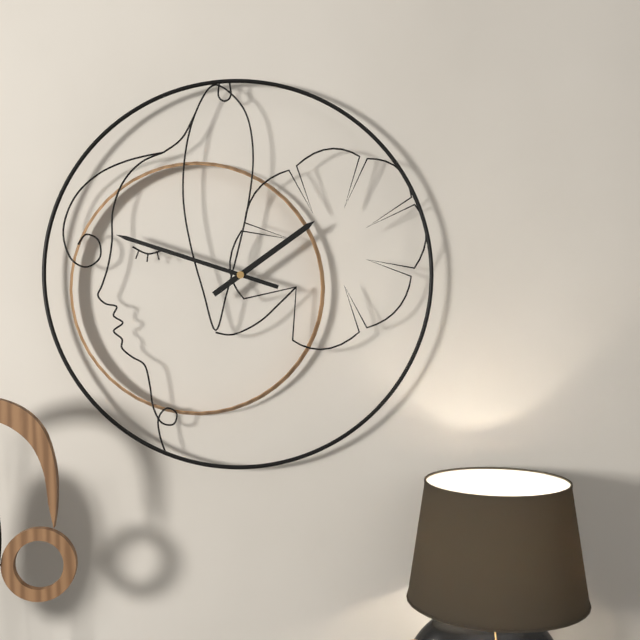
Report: 1 h 48 min
